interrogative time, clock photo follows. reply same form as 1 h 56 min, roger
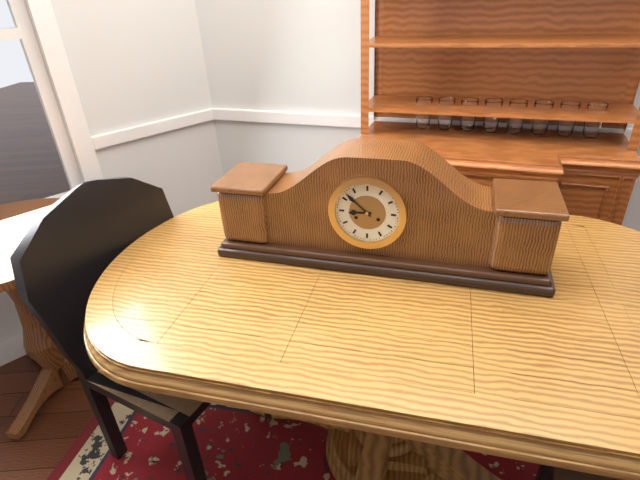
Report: 8 h 52 min
